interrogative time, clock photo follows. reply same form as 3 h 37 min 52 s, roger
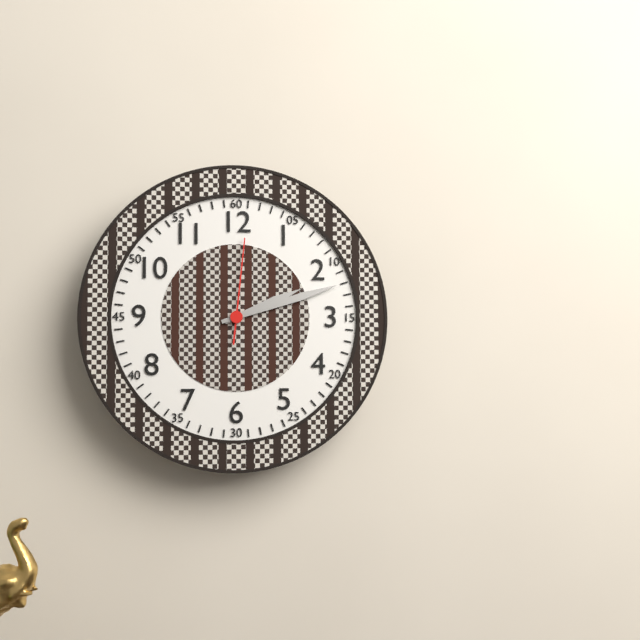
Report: 2 h 12 min 01 s
